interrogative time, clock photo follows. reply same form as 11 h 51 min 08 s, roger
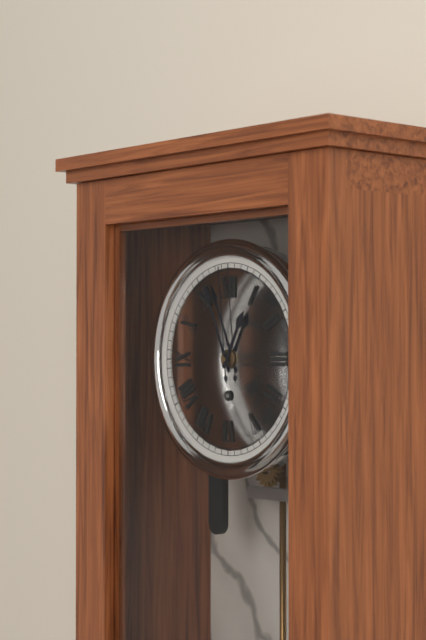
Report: 12 h 56 min 59 s
